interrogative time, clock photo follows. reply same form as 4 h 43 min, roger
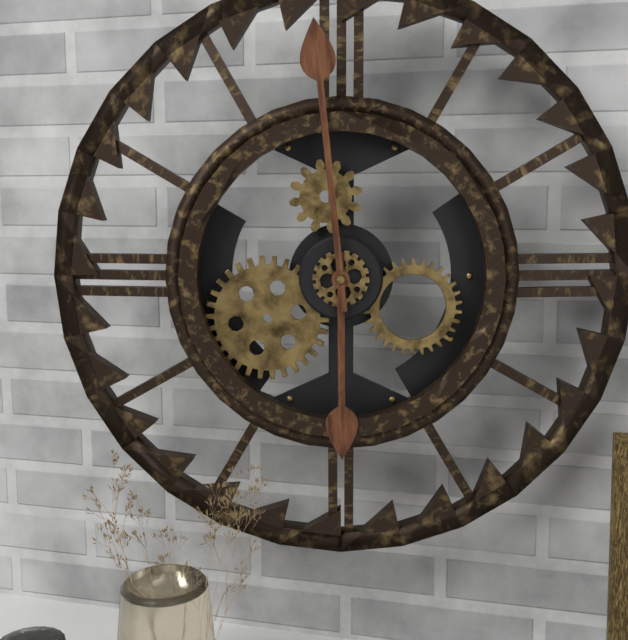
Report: 5 h 59 min
